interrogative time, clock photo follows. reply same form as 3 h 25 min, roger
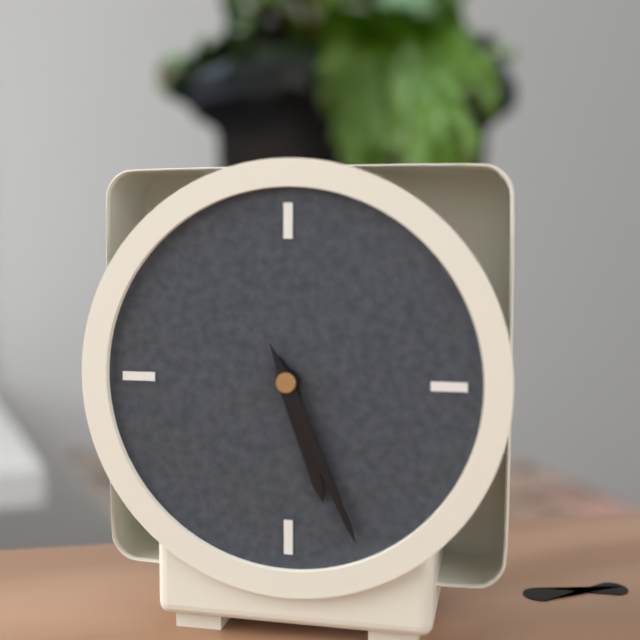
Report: 5 h 26 min
